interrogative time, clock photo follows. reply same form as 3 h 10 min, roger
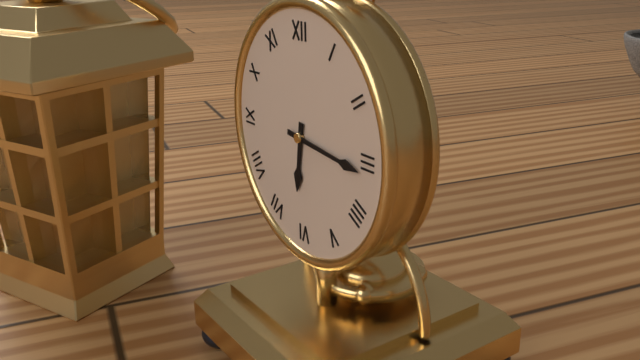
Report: 6 h 16 min
